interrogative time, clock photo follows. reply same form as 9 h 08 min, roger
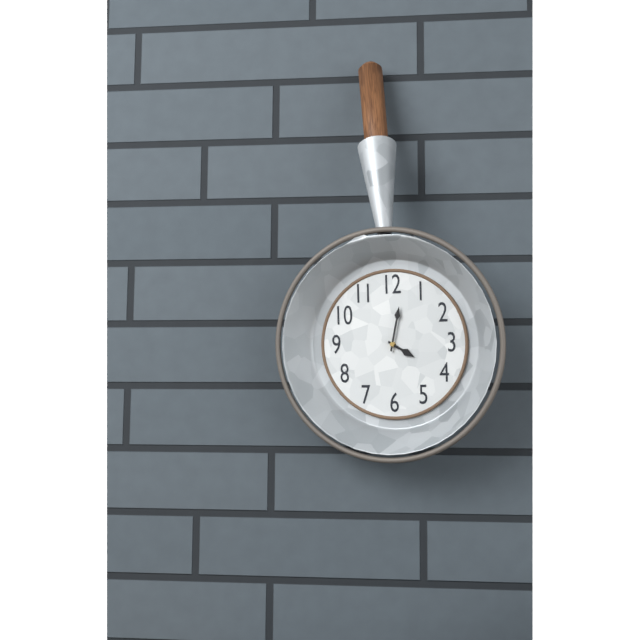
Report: 4 h 02 min
